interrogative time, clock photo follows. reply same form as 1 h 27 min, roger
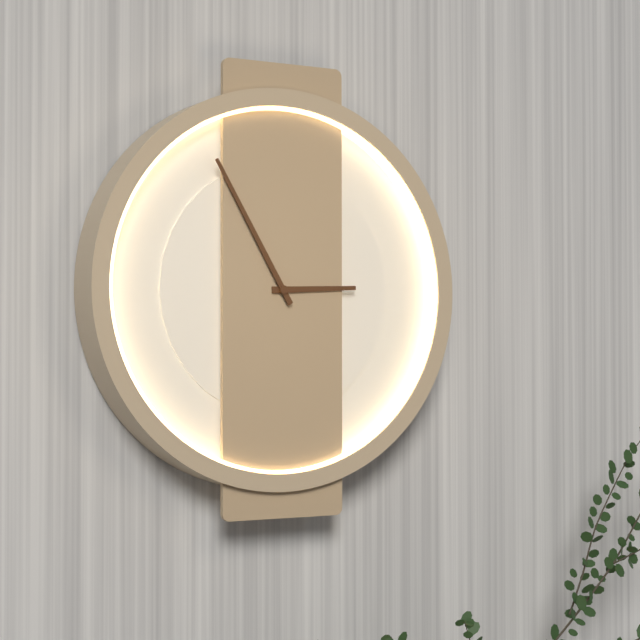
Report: 2 h 55 min
